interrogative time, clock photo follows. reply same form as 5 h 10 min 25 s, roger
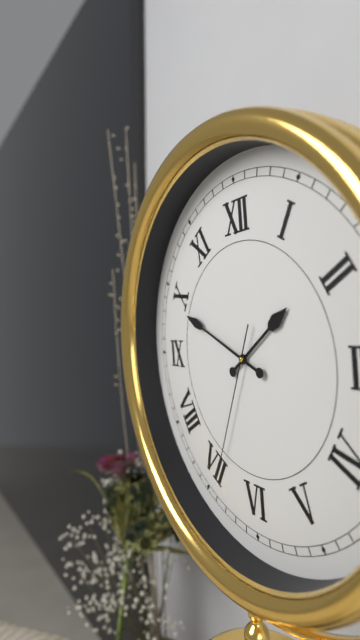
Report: 1 h 49 min 34 s
